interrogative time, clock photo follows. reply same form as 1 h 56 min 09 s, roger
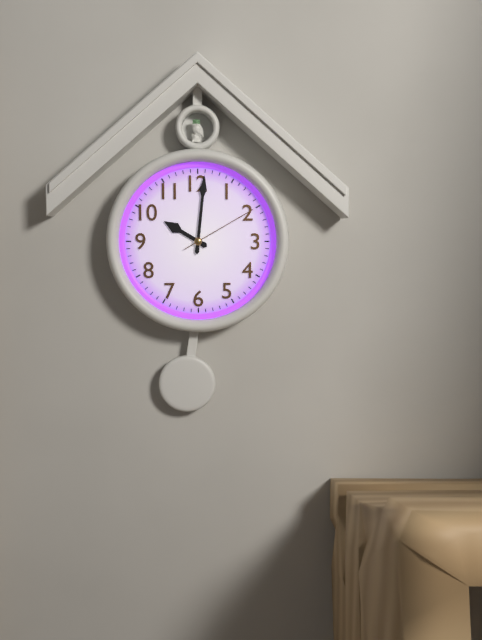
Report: 10 h 01 min 10 s
